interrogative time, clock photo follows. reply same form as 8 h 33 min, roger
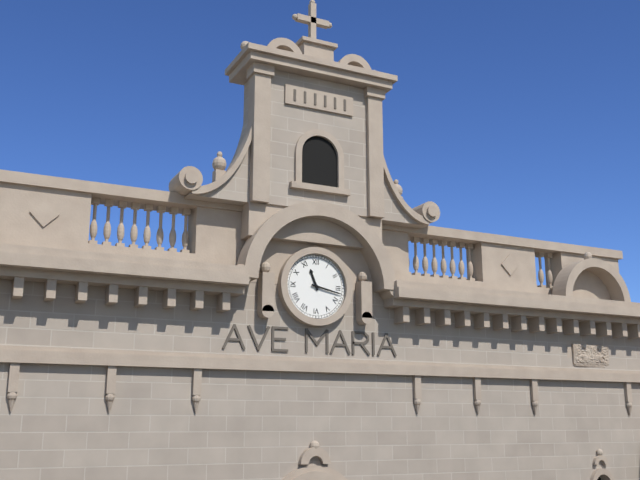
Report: 11 h 17 min
